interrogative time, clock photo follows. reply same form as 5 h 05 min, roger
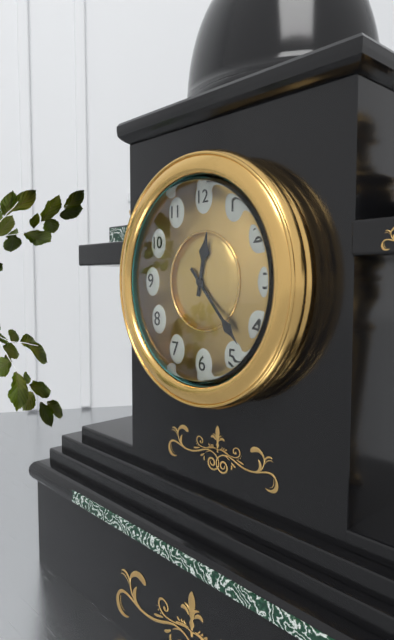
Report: 12 h 23 min
